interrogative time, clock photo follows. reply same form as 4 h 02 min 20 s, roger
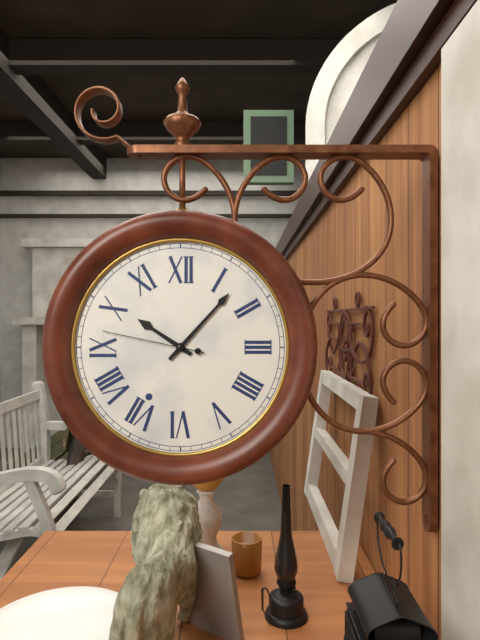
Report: 10 h 07 min 47 s
